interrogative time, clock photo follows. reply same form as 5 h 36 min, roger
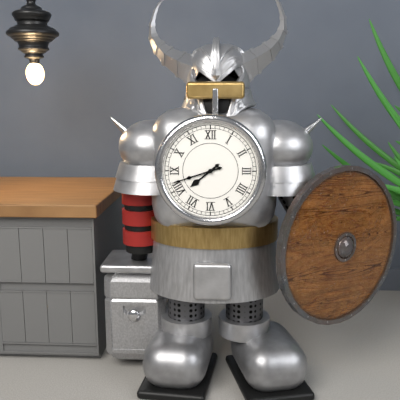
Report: 7 h 42 min
